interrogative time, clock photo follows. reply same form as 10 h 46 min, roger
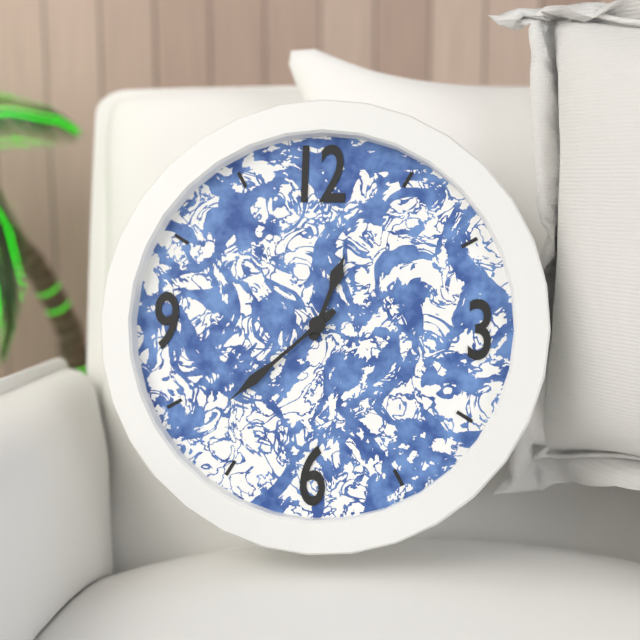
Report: 12 h 38 min
